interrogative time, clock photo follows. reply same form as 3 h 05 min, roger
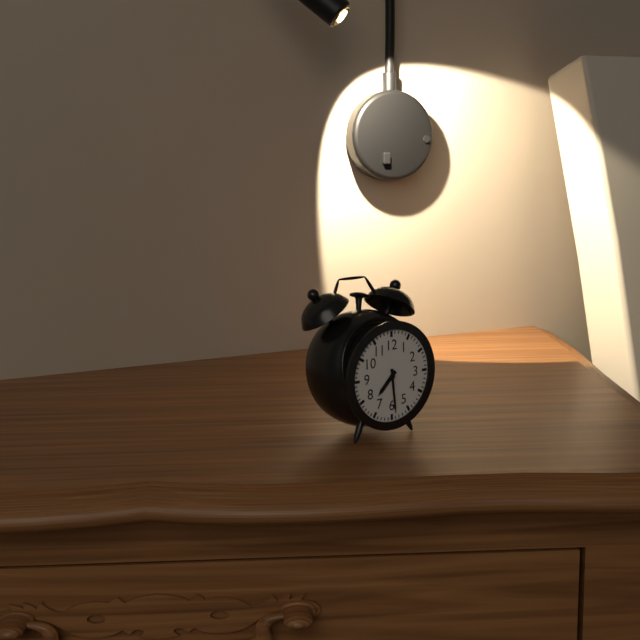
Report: 7 h 29 min
